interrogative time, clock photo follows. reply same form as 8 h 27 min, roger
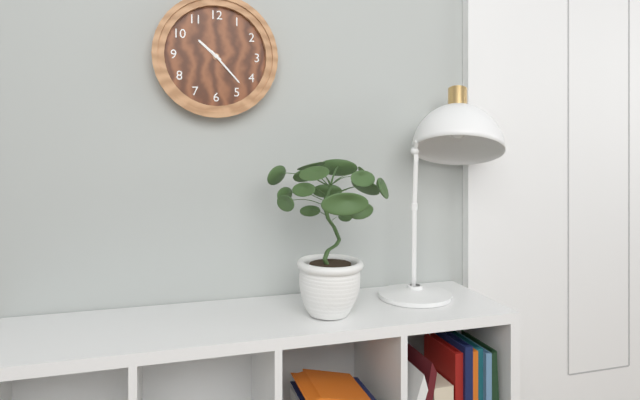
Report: 10 h 23 min
